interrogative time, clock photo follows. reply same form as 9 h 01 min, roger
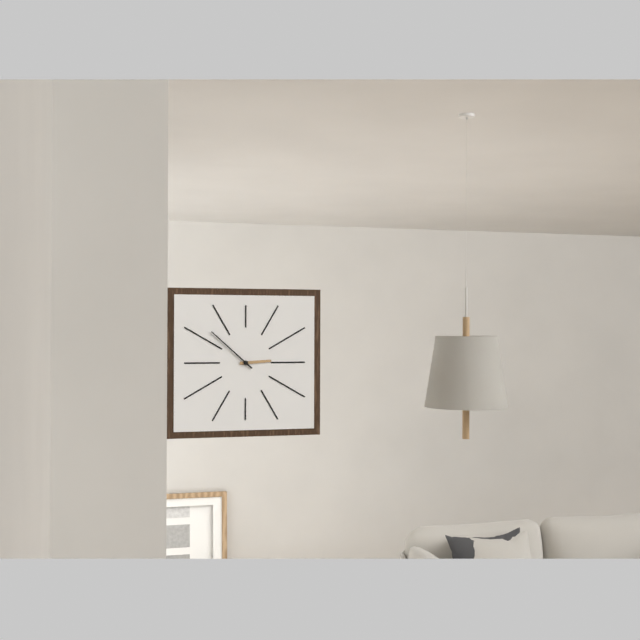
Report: 2 h 52 min
